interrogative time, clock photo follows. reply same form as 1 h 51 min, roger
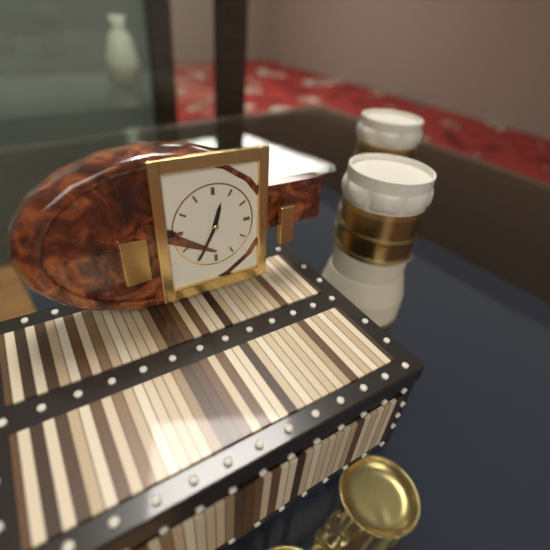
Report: 12 h 35 min
